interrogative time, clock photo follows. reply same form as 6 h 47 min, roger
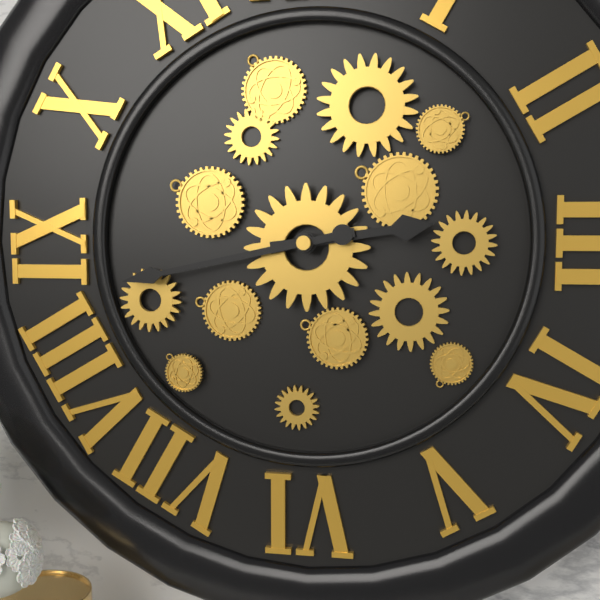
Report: 2 h 43 min
